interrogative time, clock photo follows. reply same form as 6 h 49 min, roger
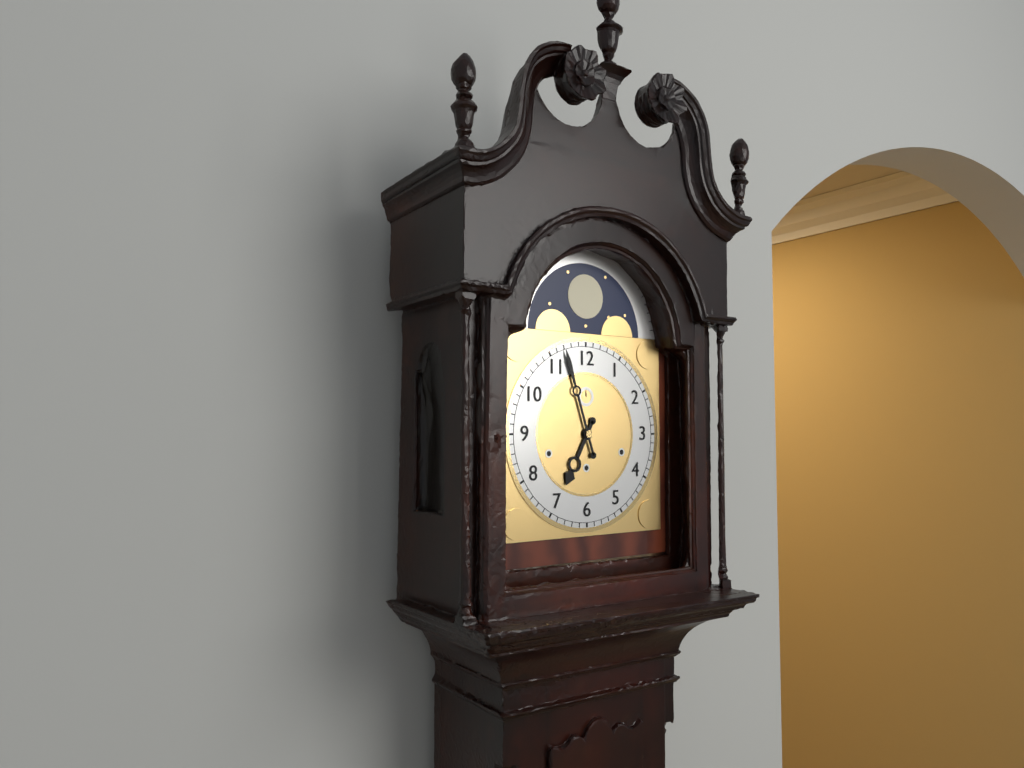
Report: 6 h 57 min
